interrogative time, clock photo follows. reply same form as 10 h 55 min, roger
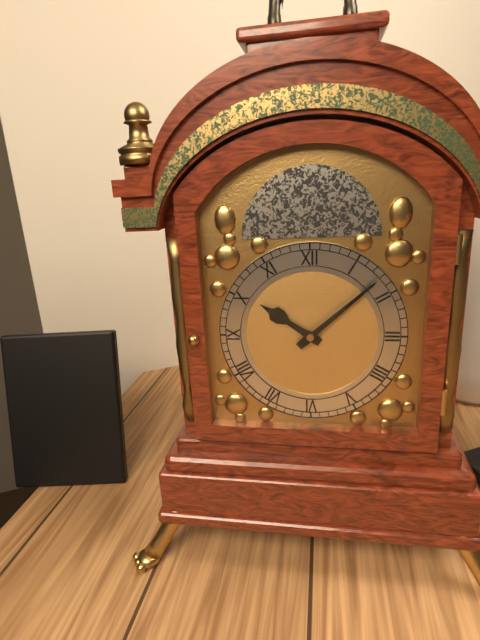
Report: 10 h 08 min
